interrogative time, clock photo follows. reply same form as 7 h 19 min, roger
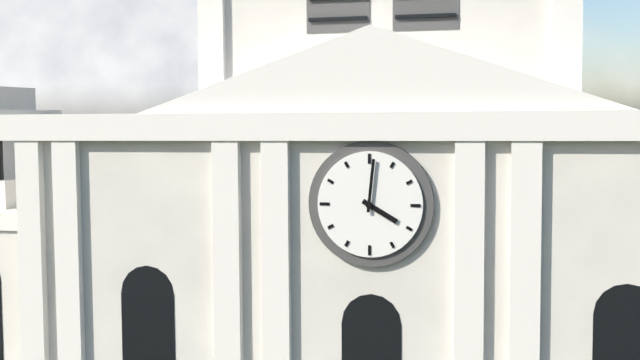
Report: 4 h 01 min
